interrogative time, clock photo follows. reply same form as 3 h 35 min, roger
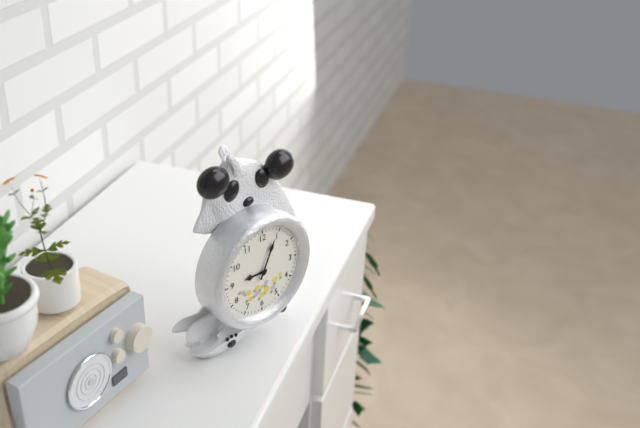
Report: 9 h 04 min
